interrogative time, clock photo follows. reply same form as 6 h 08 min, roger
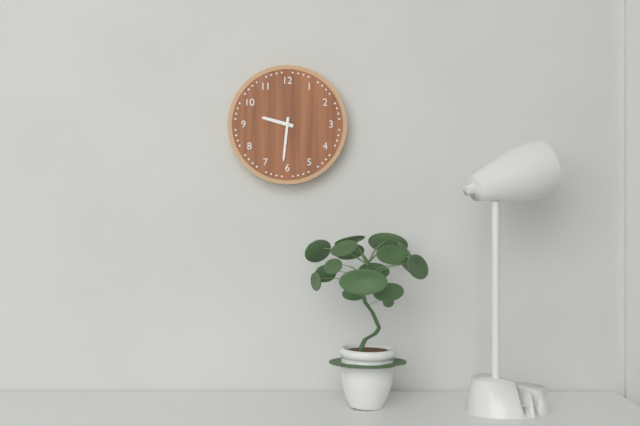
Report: 9 h 31 min
